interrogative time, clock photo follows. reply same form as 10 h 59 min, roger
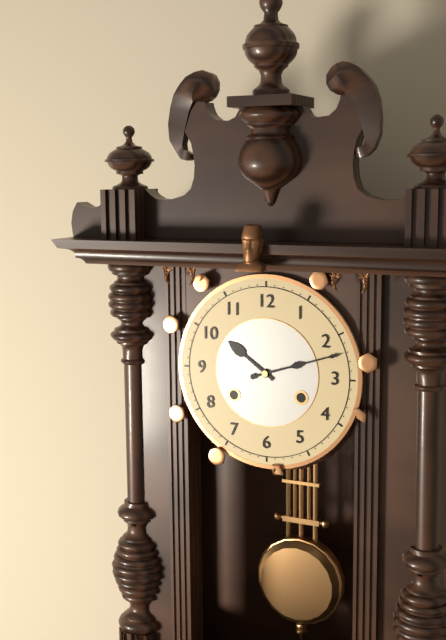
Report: 10 h 12 min
